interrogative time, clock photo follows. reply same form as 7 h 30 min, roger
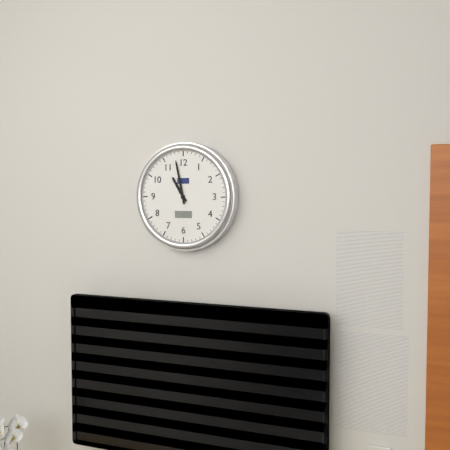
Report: 10 h 58 min
